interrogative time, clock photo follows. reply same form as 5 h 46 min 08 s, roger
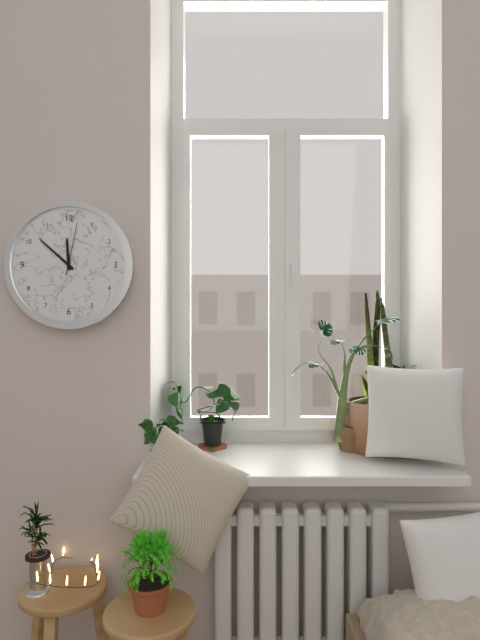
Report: 11 h 52 min 02 s
